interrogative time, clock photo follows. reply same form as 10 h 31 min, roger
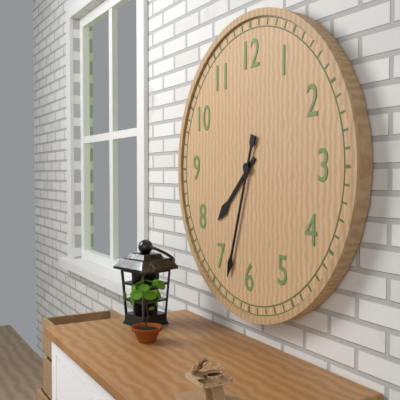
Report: 7 h 33 min
